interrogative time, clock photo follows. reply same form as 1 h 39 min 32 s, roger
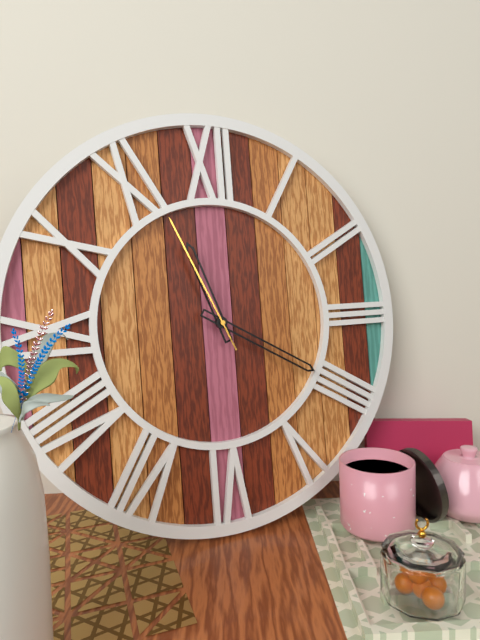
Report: 11 h 20 min 56 s
